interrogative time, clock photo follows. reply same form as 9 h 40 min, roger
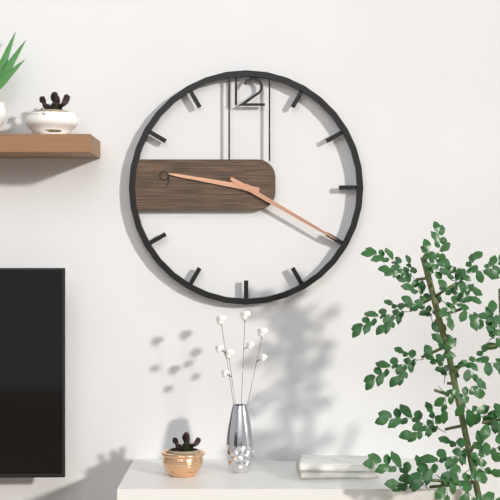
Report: 9 h 20 min
